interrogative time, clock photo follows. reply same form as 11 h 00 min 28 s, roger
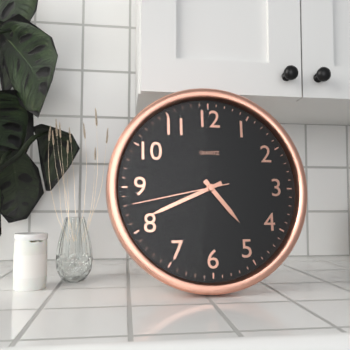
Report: 4 h 41 min 43 s
